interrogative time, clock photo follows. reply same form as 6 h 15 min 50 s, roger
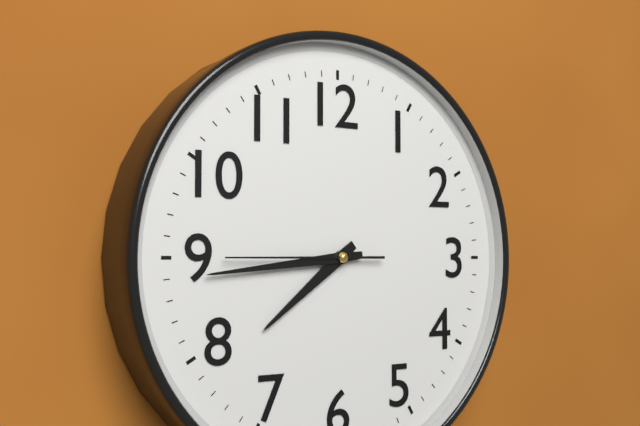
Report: 7 h 44 min 45 s
